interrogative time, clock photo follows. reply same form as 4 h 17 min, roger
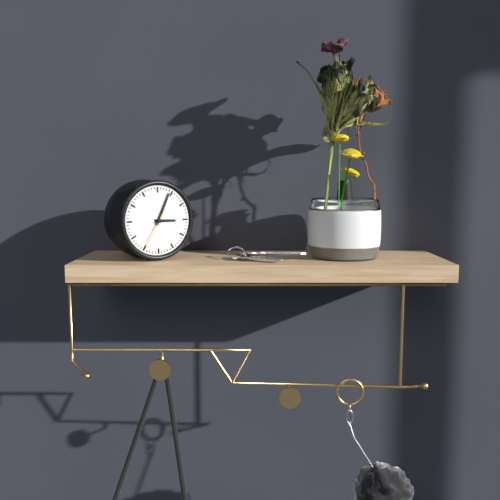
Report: 3 h 04 min
